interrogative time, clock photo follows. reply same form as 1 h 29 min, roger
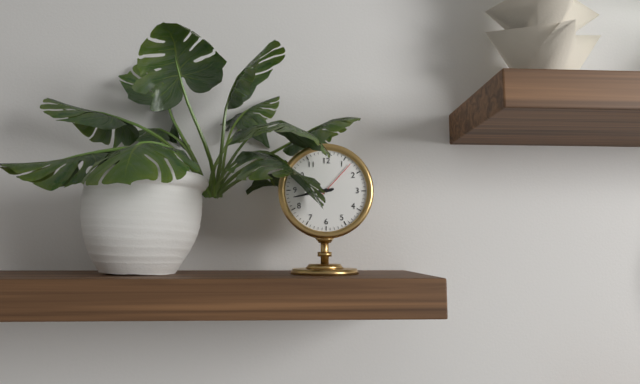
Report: 8 h 43 min
